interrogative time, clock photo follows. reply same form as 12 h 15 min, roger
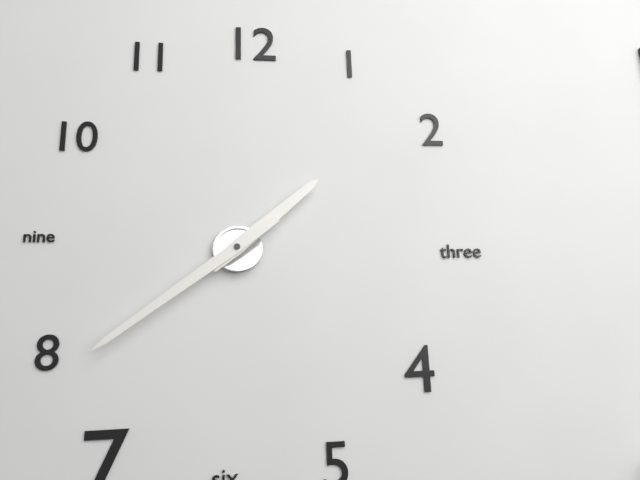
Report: 1 h 39 min
